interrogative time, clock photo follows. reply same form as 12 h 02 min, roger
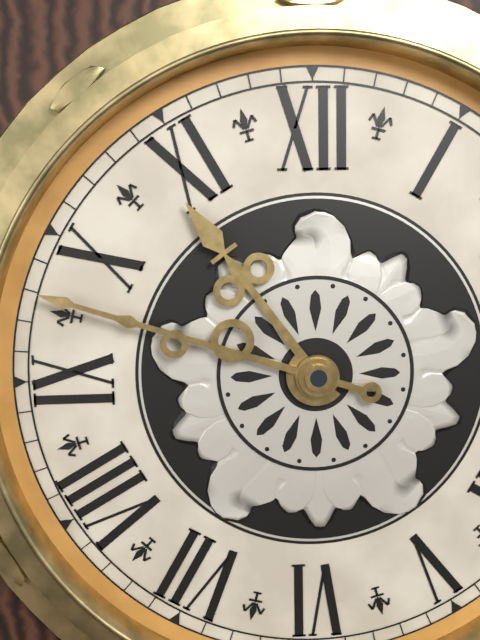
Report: 10 h 48 min
